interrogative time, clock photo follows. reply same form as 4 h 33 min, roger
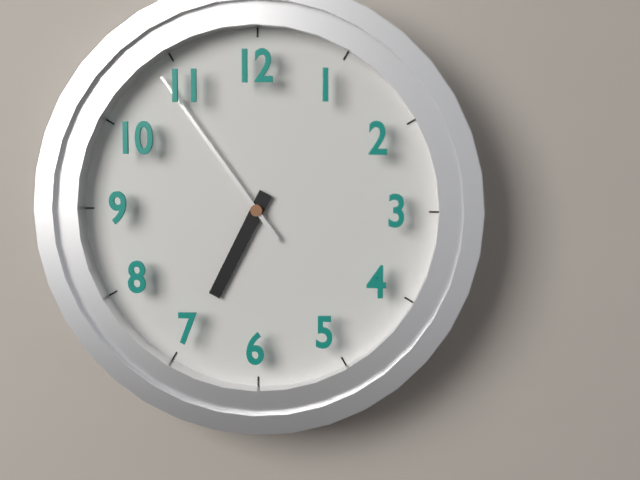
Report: 6 h 54 min
